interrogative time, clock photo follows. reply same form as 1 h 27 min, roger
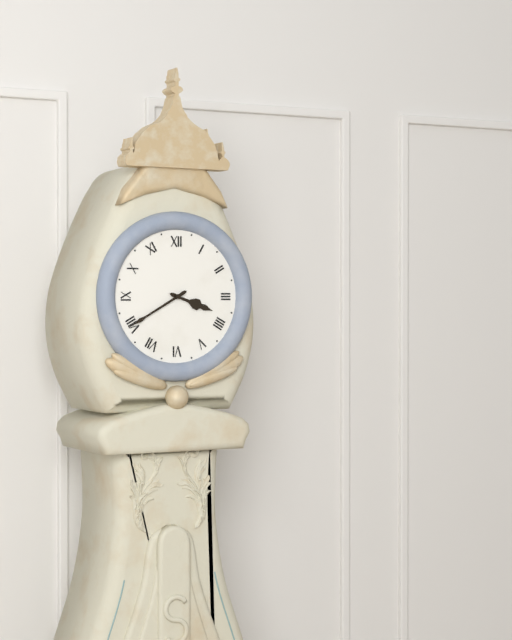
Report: 3 h 40 min
